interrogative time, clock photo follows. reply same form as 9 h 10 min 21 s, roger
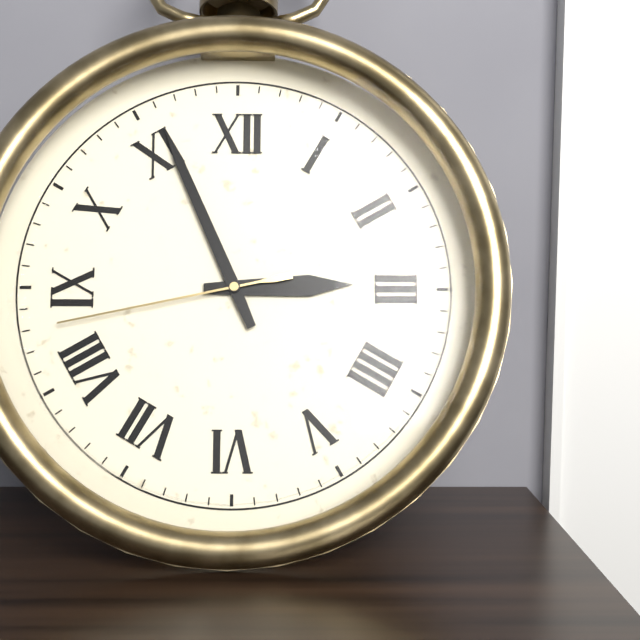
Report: 2 h 56 min 43 s
